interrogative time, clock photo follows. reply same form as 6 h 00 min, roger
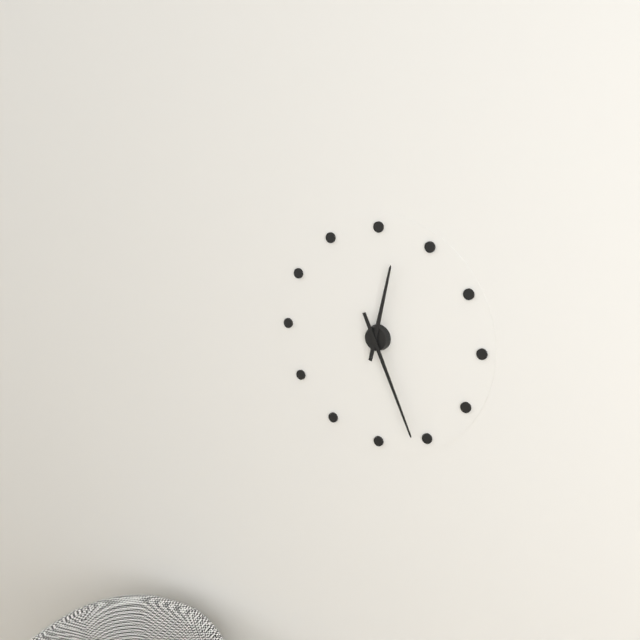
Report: 12 h 26 min
